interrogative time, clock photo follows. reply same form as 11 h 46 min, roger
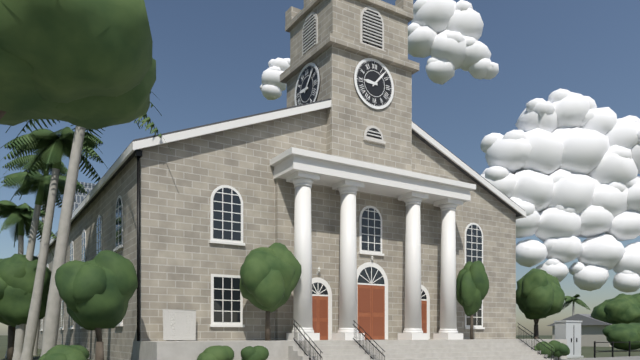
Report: 9 h 07 min
